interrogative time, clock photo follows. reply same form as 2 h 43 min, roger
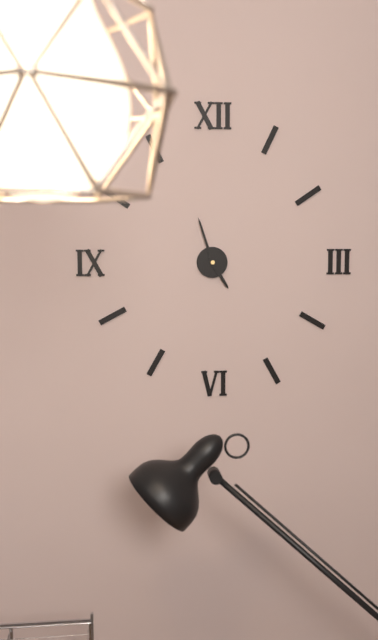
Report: 4 h 57 min
